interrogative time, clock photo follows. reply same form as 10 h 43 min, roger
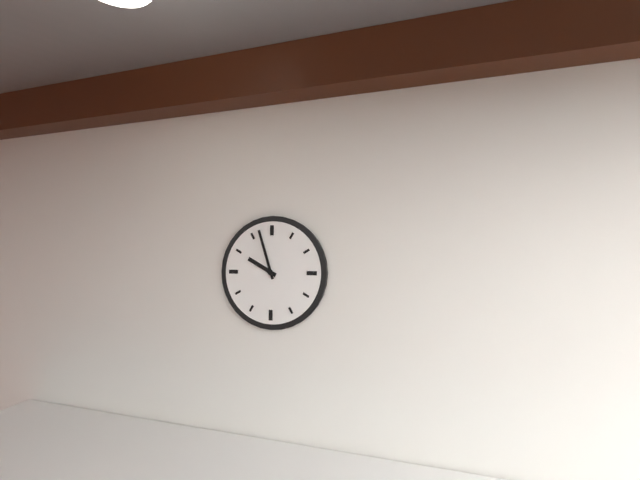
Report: 9 h 57 min
